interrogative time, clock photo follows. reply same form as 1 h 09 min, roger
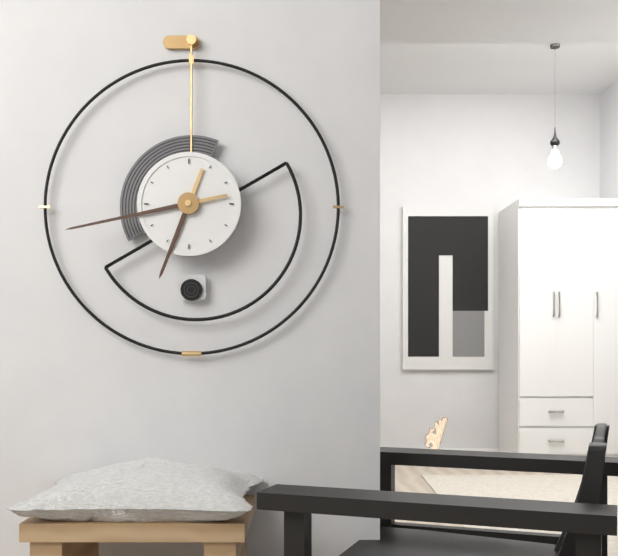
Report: 6 h 43 min
